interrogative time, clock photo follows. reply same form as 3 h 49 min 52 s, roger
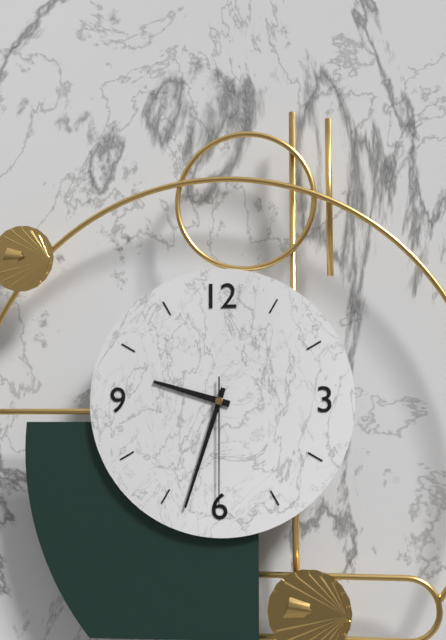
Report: 9 h 33 min 30 s
